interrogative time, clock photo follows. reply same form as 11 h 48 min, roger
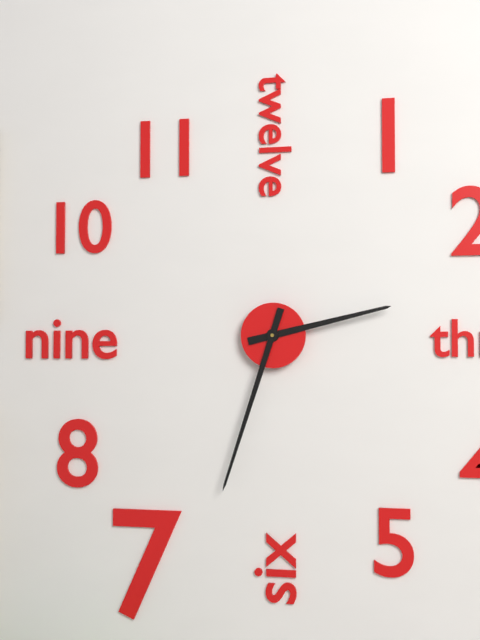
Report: 2 h 33 min
